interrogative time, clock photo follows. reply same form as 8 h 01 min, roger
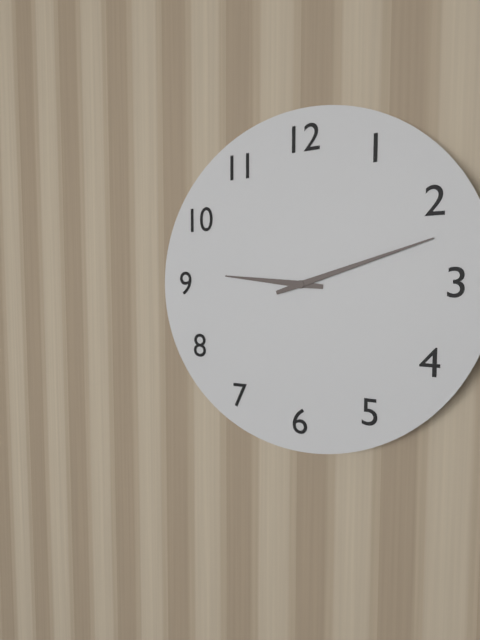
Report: 9 h 12 min
